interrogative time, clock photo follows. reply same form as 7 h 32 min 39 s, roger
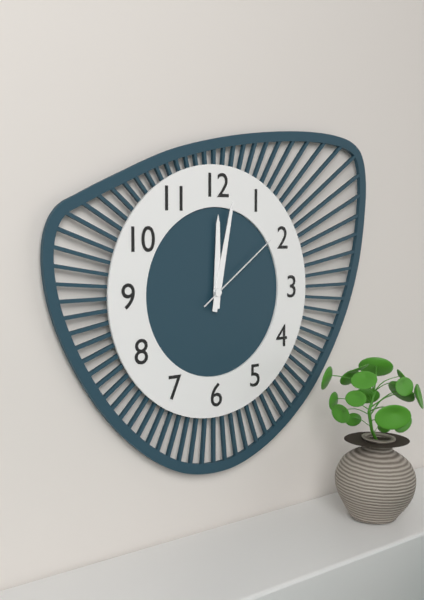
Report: 12 h 02 min 09 s
